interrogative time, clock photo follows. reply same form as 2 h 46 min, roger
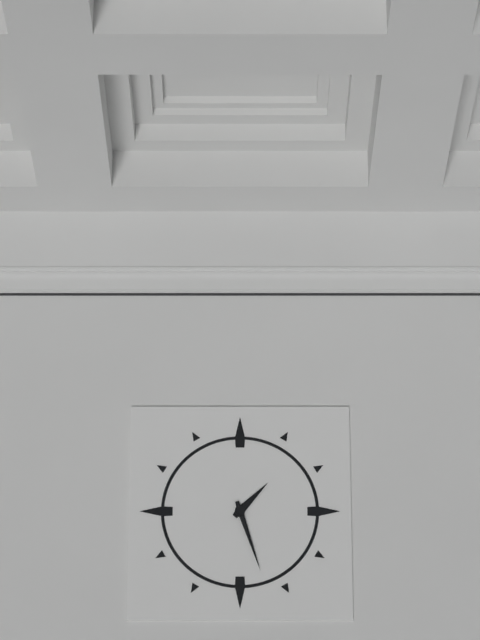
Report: 1 h 27 min
